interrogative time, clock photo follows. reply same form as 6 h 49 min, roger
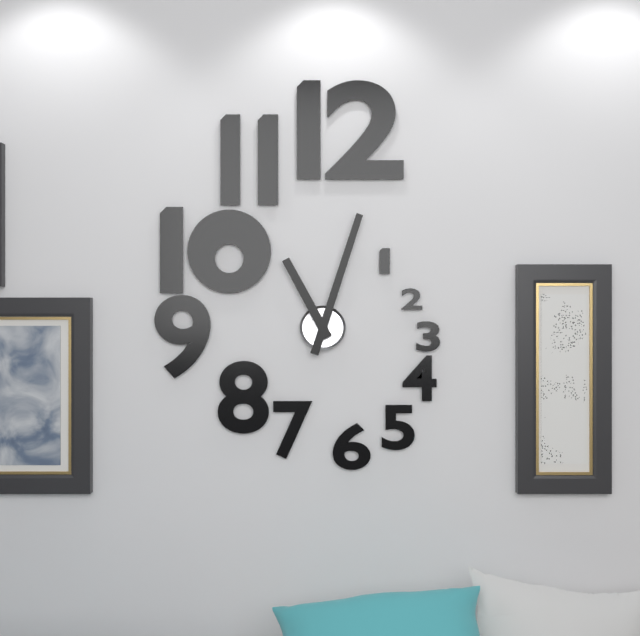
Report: 11 h 03 min
